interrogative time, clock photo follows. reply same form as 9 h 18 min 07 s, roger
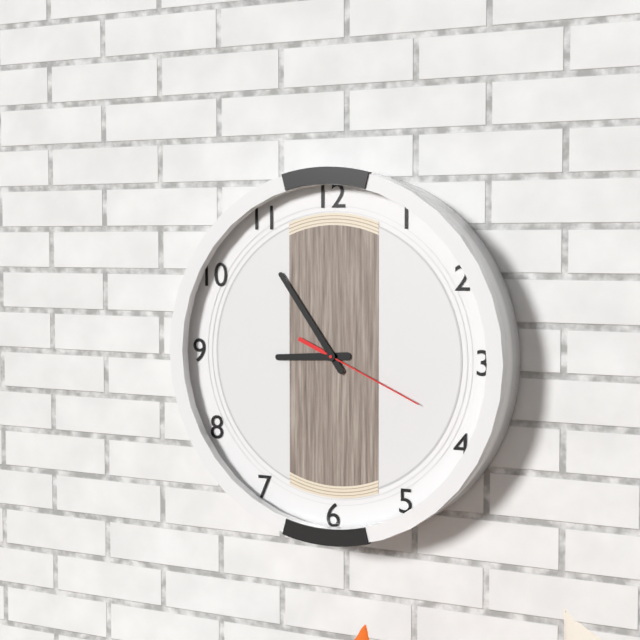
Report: 8 h 54 min 19 s
